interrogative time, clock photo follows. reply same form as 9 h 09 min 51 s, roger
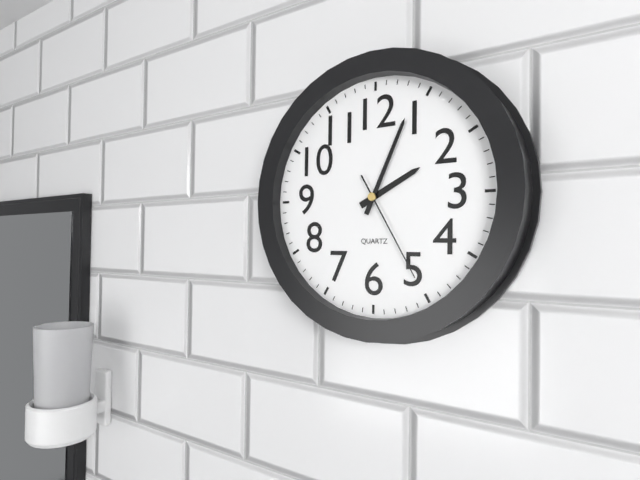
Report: 2 h 04 min 25 s
